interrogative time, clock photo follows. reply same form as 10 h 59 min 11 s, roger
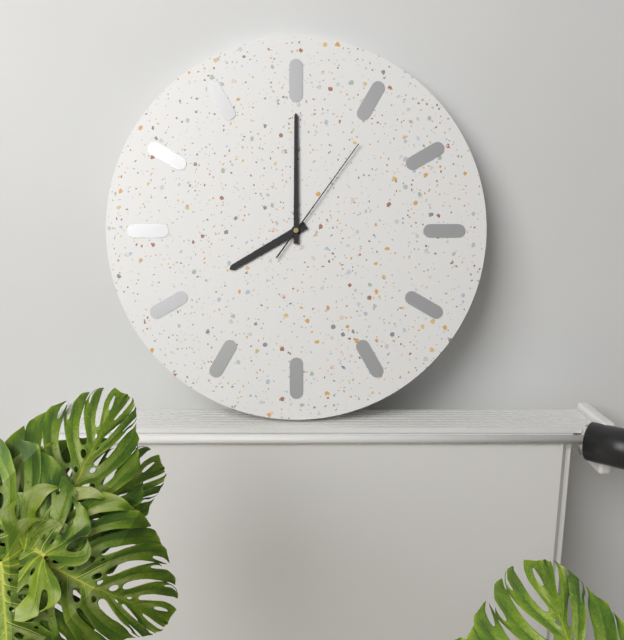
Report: 8 h 00 min 06 s
